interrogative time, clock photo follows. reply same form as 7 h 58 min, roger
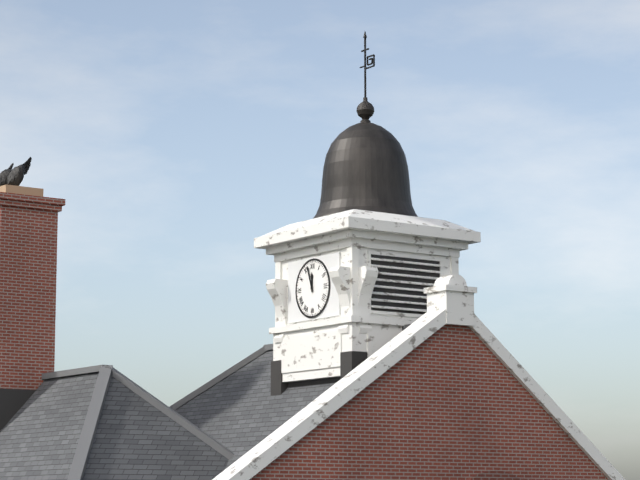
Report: 11 h 57 min
